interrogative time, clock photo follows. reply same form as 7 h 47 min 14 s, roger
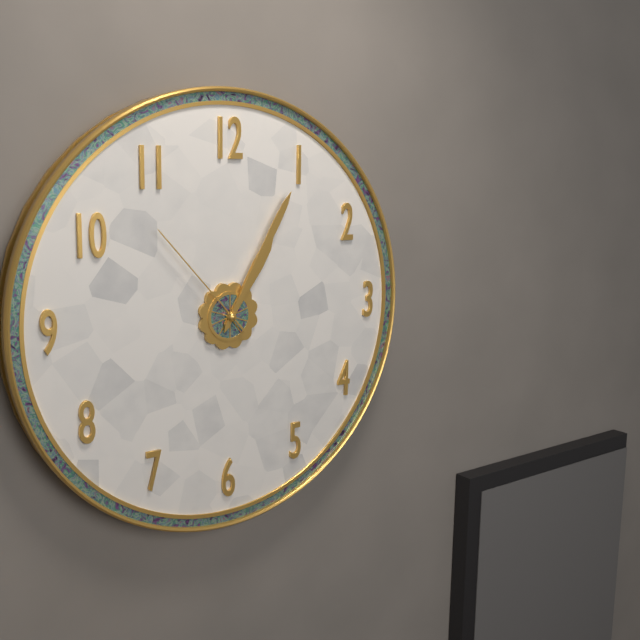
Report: 1 h 05 min 53 s
